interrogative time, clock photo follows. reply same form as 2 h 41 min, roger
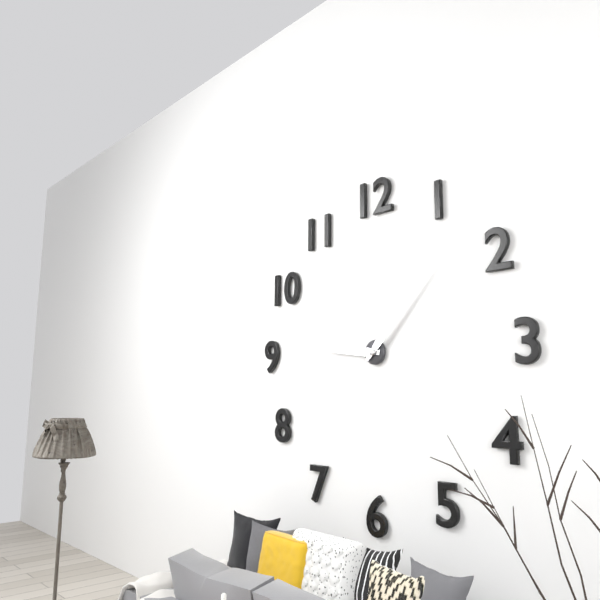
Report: 9 h 07 min
